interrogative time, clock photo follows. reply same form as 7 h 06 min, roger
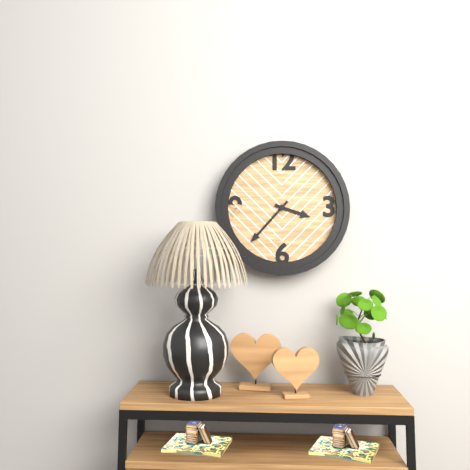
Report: 3 h 37 min
